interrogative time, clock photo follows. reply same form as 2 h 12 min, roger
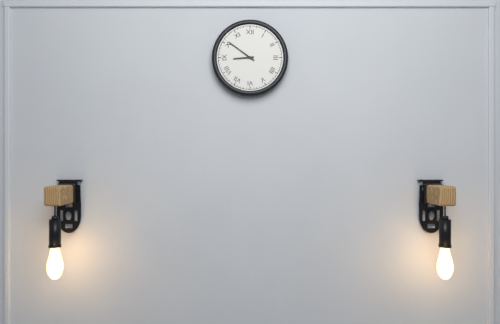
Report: 8 h 51 min
